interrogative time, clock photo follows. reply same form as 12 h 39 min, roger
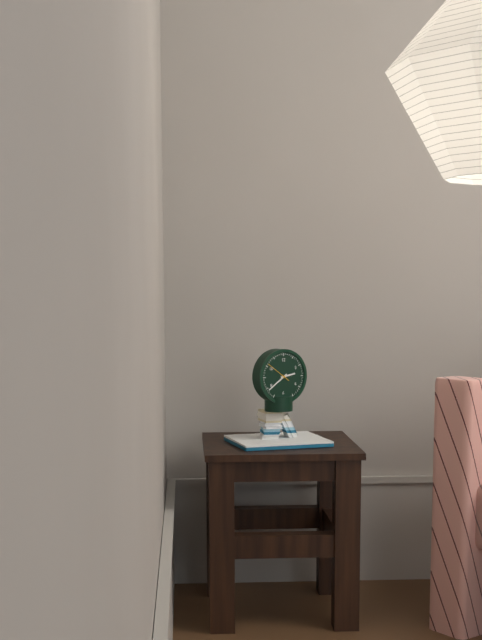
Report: 2 h 39 min
